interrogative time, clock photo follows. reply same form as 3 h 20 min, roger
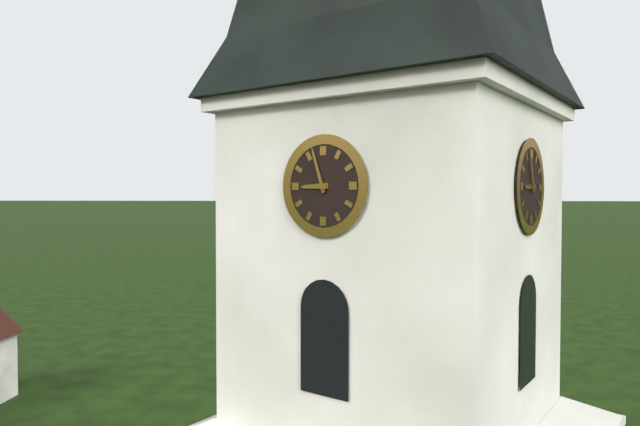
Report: 8 h 57 min
